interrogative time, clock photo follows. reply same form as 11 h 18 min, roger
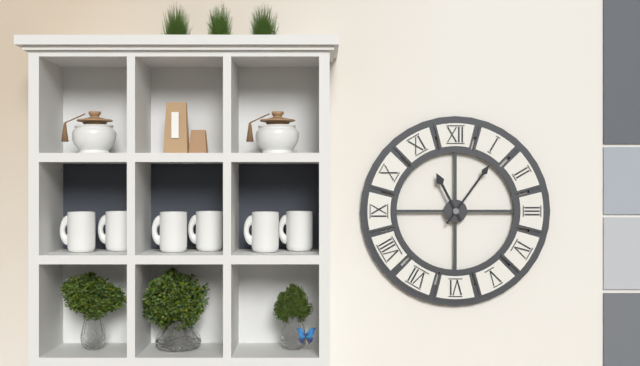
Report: 11 h 06 min
